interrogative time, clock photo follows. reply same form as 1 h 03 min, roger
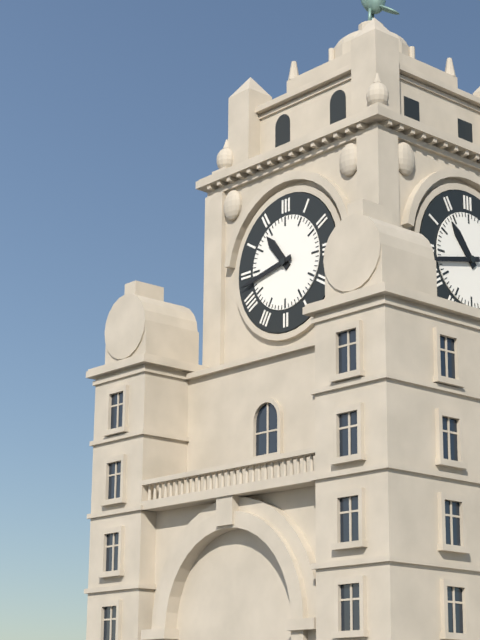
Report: 10 h 43 min
